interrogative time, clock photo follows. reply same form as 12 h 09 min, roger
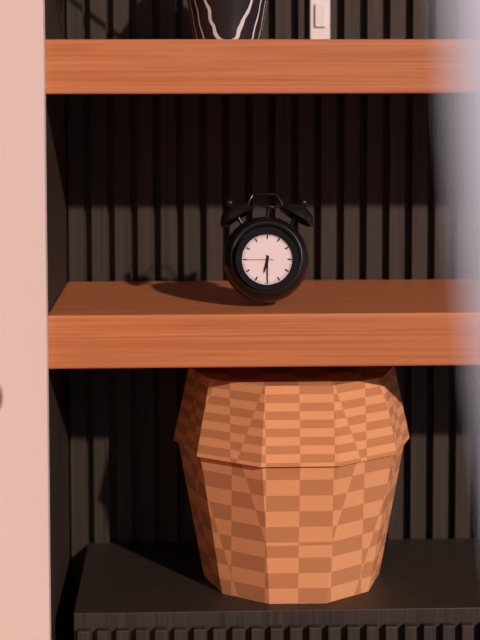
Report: 6 h 30 min
